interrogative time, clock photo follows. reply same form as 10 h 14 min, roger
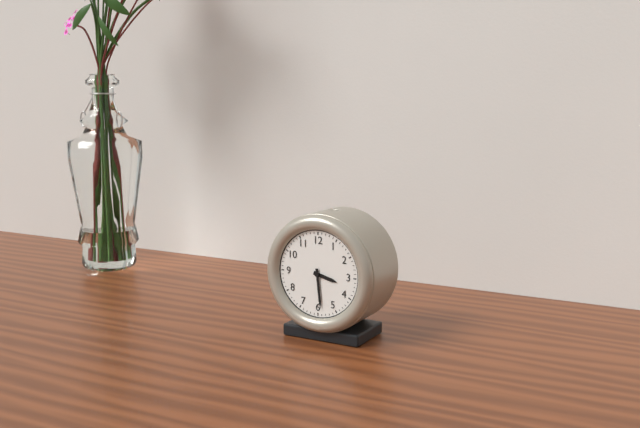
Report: 3 h 29 min
